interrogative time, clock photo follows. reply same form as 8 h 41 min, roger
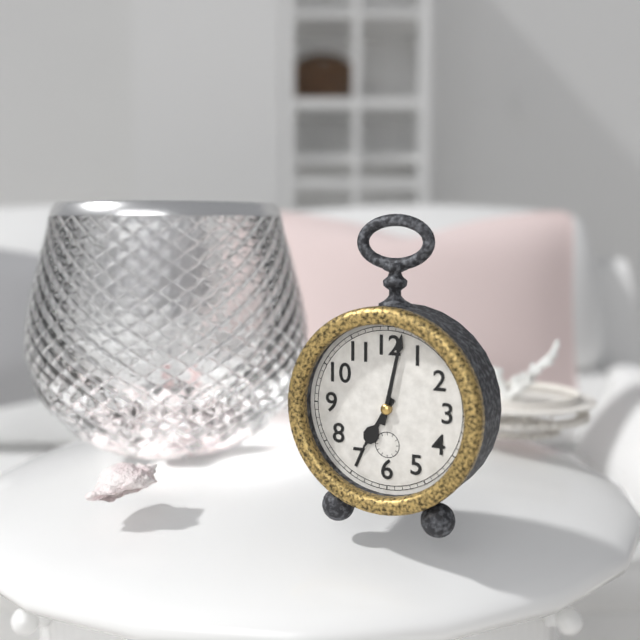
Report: 7 h 02 min
